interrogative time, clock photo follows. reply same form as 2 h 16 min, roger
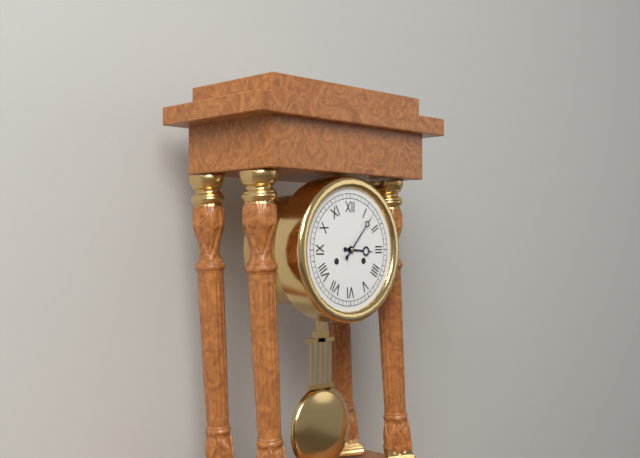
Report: 3 h 07 min
